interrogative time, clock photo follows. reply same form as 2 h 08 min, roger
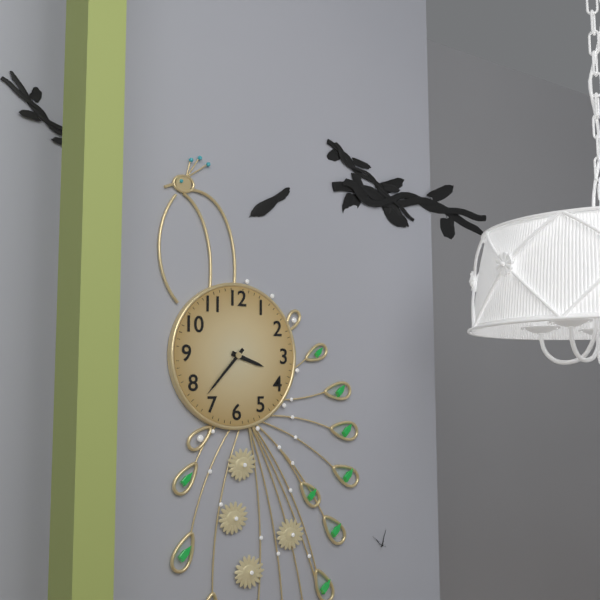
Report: 3 h 37 min
